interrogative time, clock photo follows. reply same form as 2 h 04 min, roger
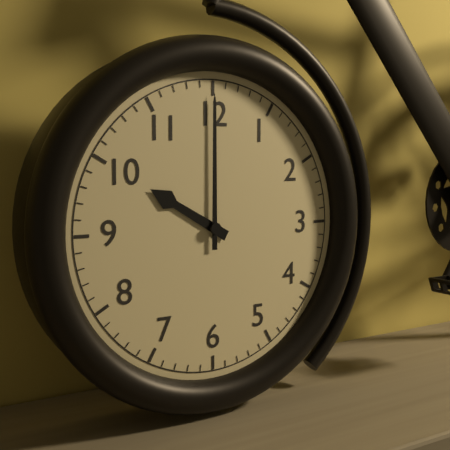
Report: 10 h 00 min
